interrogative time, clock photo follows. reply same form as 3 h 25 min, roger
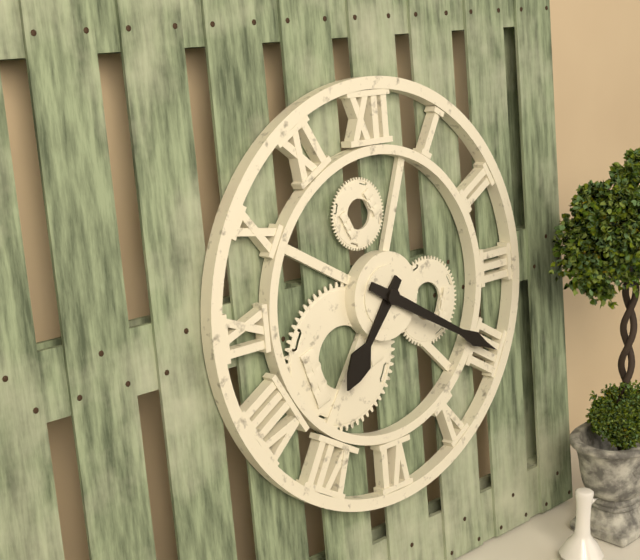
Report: 7 h 20 min
